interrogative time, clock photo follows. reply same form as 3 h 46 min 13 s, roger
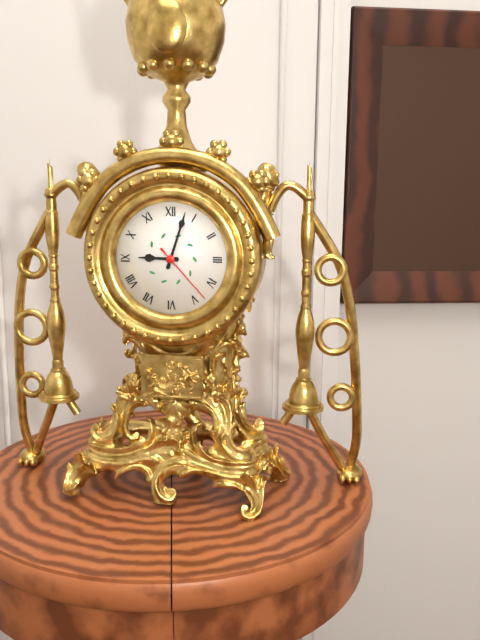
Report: 9 h 03 min 23 s
